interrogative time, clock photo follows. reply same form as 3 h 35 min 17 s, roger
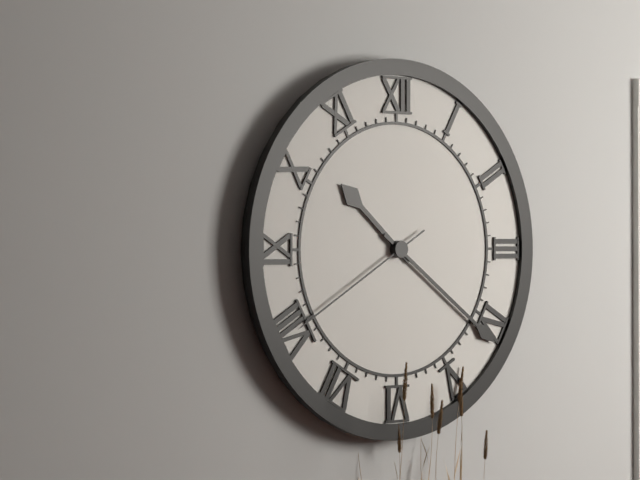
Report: 10 h 21 min 40 s
